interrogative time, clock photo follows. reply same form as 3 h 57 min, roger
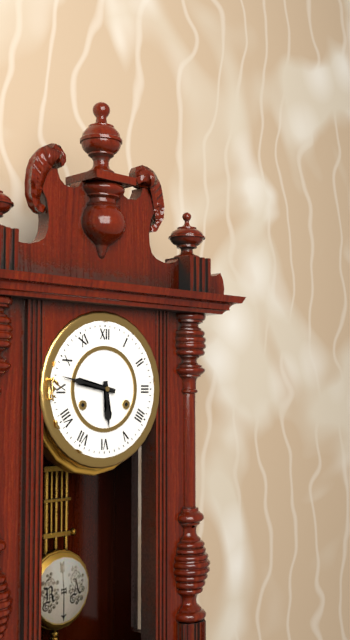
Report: 5 h 47 min
